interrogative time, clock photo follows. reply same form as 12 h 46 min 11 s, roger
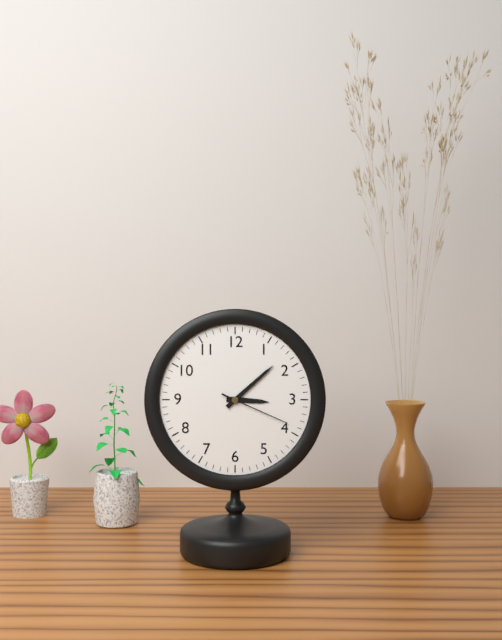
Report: 3 h 08 min 19 s
